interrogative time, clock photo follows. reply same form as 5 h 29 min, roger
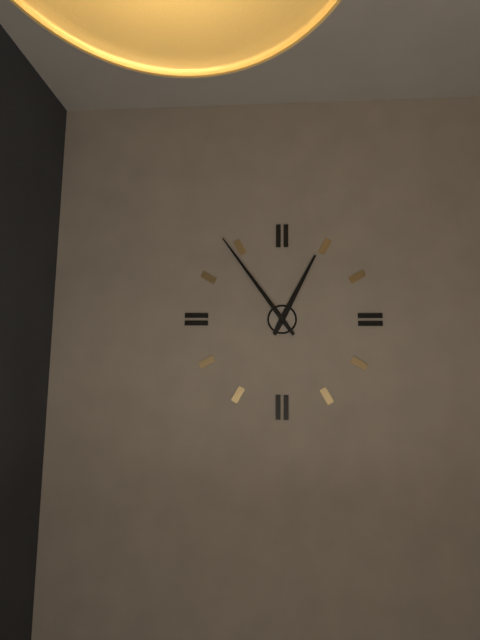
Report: 12 h 54 min
